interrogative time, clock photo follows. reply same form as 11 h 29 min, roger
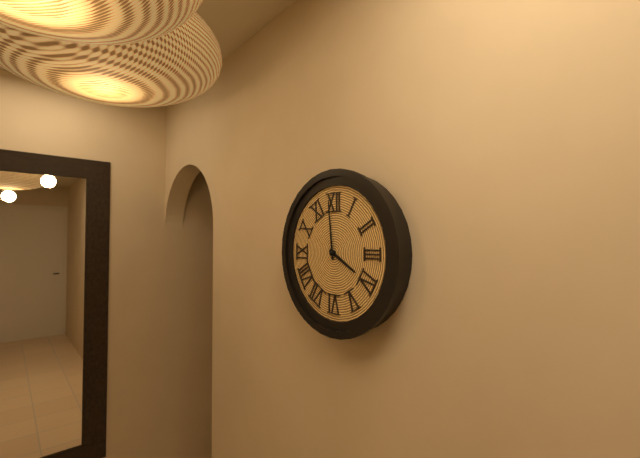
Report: 3 h 59 min
